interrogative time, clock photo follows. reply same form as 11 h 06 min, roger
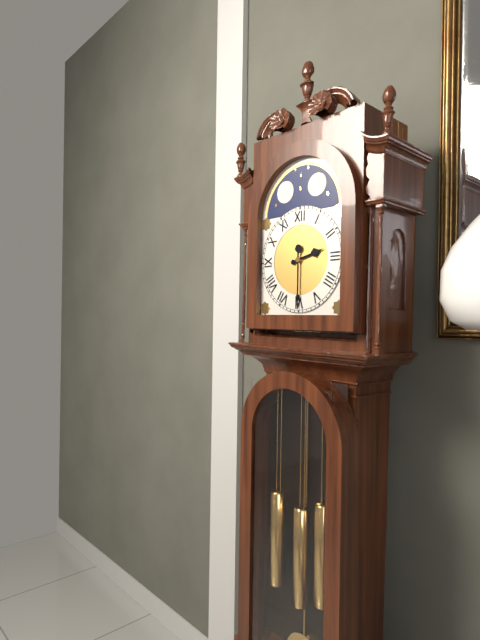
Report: 2 h 30 min
